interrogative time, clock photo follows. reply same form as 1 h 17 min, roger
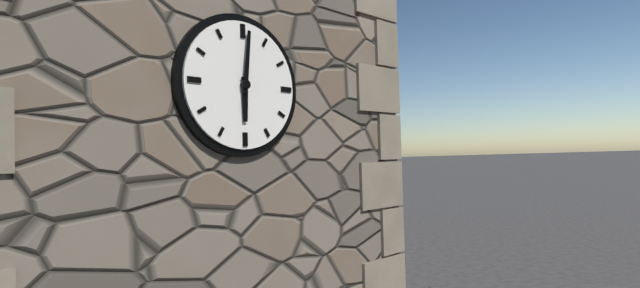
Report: 6 h 01 min
